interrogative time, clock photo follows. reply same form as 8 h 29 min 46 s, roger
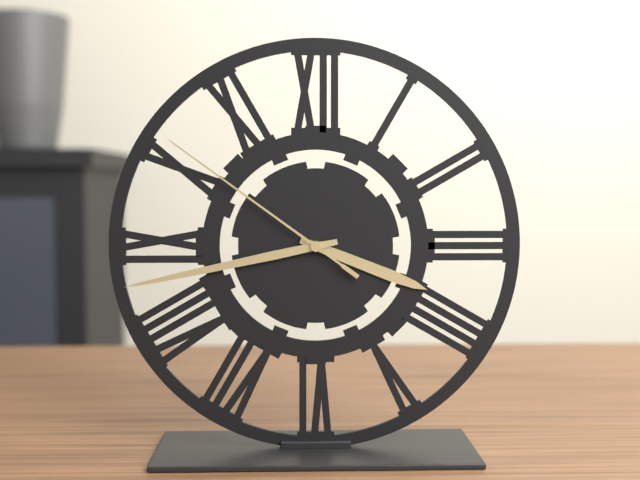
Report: 3 h 43 min 51 s
